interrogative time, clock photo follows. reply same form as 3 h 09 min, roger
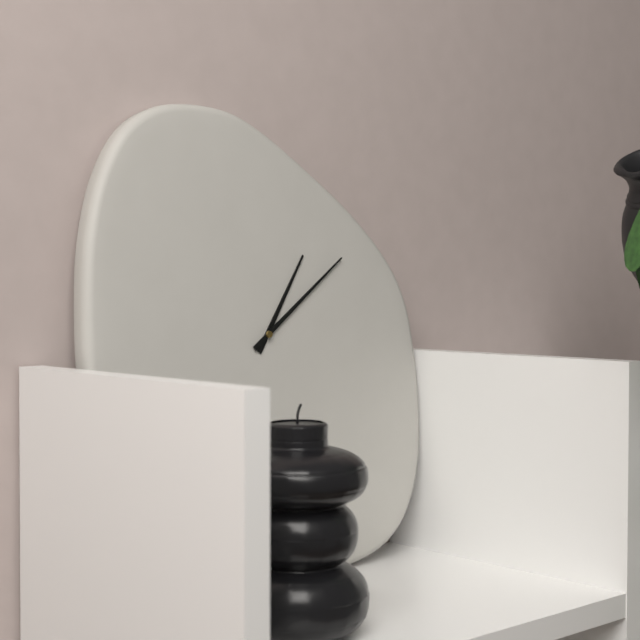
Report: 1 h 09 min
